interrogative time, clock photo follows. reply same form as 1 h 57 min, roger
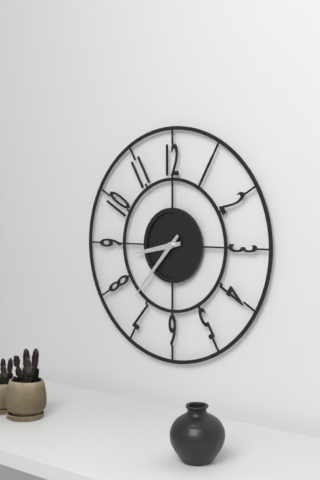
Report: 8 h 37 min
